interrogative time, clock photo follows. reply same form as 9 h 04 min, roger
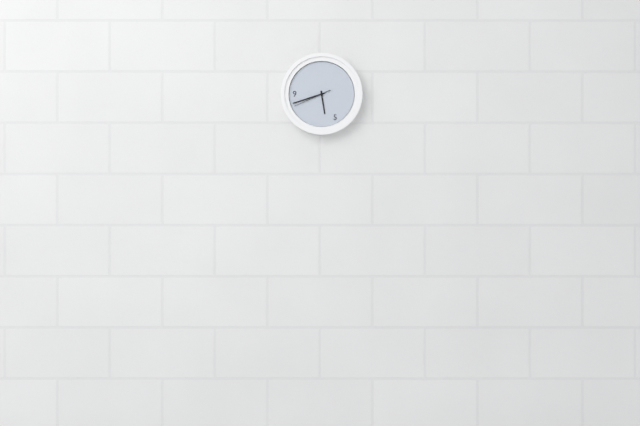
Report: 5 h 42 min
